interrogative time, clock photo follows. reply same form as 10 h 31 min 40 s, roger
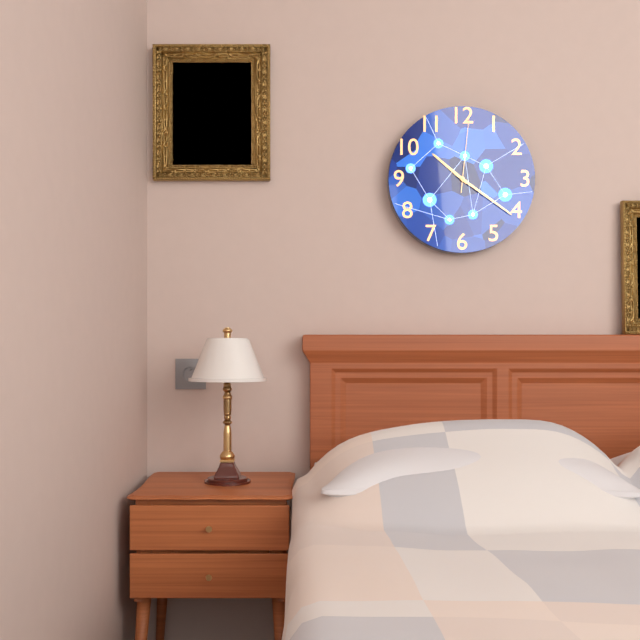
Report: 10 h 21 min 01 s
